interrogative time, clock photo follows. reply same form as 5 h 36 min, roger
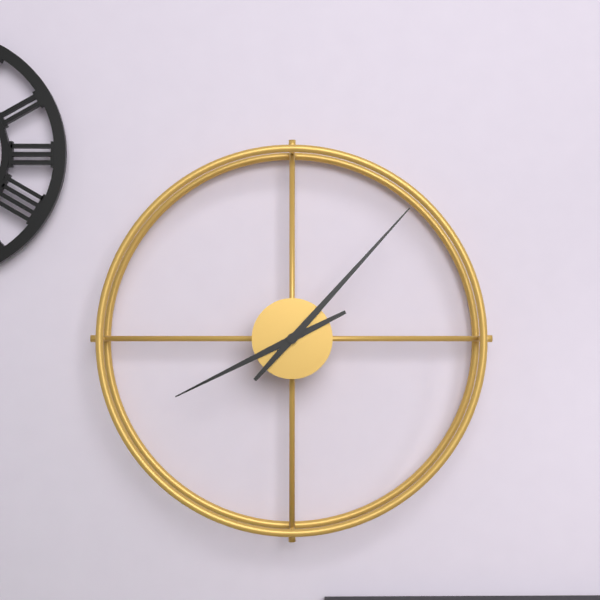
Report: 8 h 07 min
